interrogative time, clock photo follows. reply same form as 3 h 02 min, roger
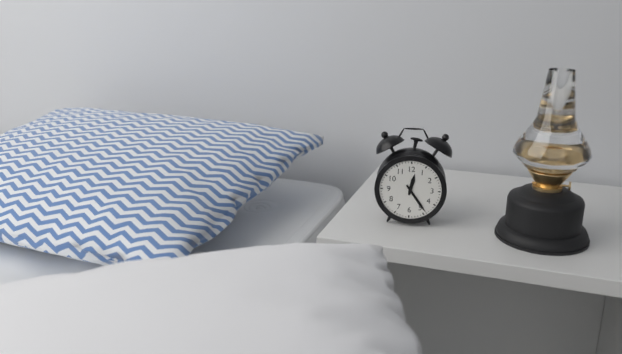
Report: 12 h 24 min
